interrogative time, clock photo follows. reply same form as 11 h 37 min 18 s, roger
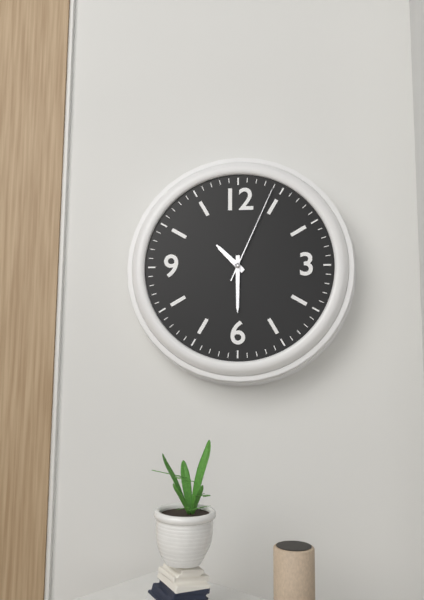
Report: 10 h 30 min 04 s
